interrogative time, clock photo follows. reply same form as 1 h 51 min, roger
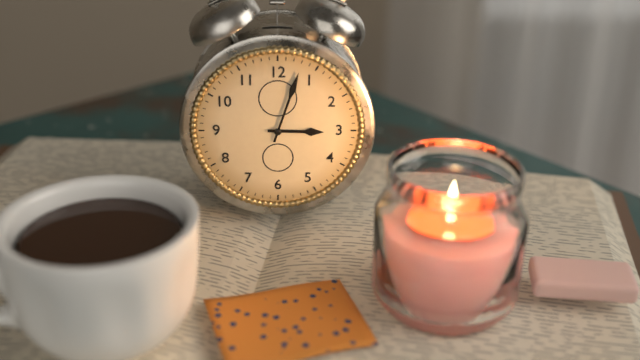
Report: 3 h 03 min
